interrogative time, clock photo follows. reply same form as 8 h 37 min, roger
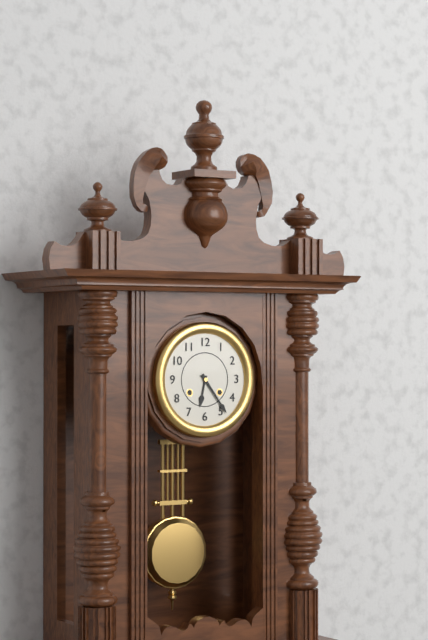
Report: 6 h 24 min
